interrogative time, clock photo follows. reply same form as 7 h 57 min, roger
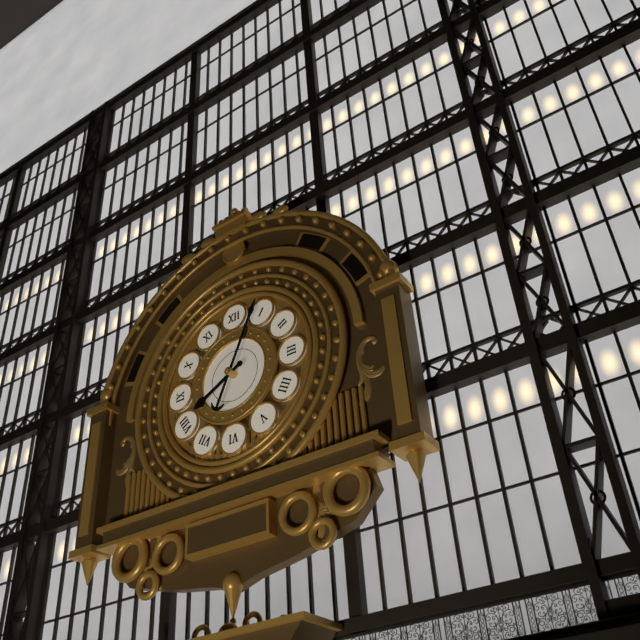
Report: 8 h 04 min
